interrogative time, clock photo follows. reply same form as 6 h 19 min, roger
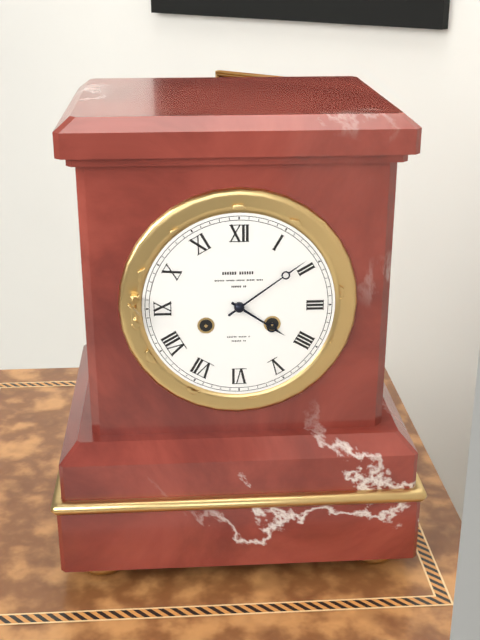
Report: 4 h 09 min
